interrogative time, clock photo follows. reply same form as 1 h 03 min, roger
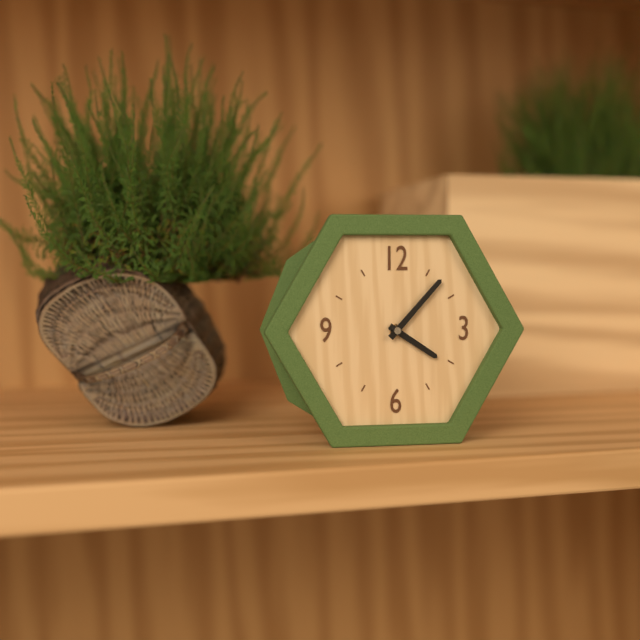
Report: 4 h 07 min
